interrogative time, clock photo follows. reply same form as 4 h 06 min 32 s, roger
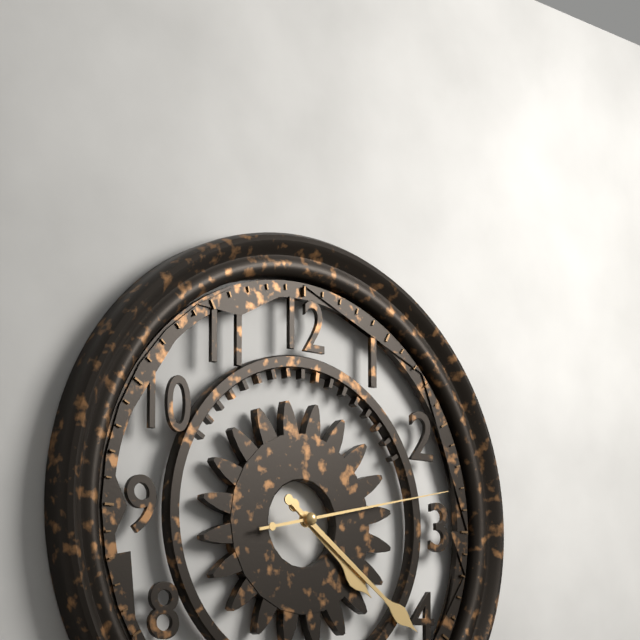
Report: 4 h 21 min 13 s
